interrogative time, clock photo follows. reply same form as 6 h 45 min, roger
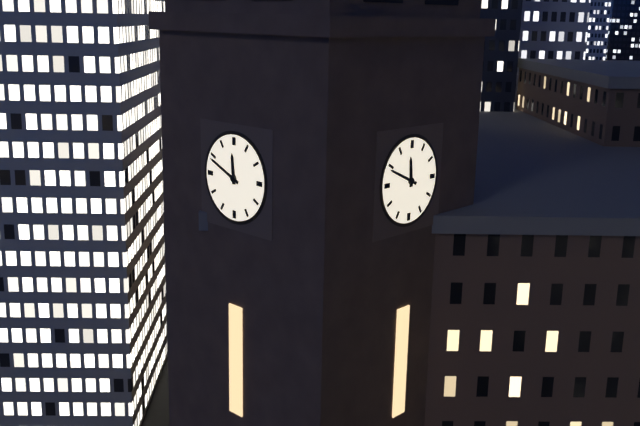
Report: 11 h 49 min
